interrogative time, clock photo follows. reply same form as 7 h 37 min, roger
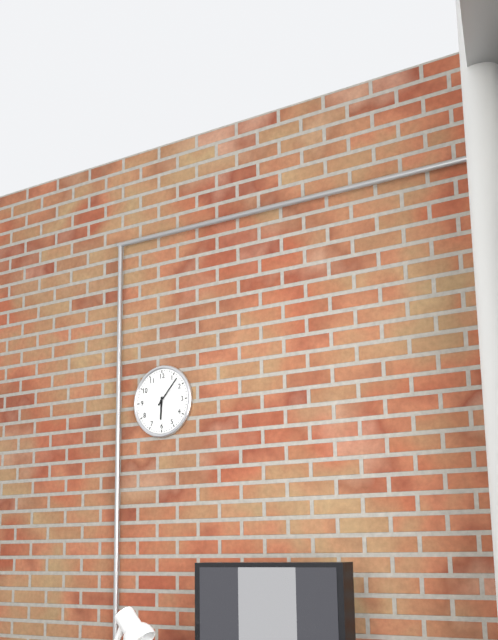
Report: 6 h 07 min
